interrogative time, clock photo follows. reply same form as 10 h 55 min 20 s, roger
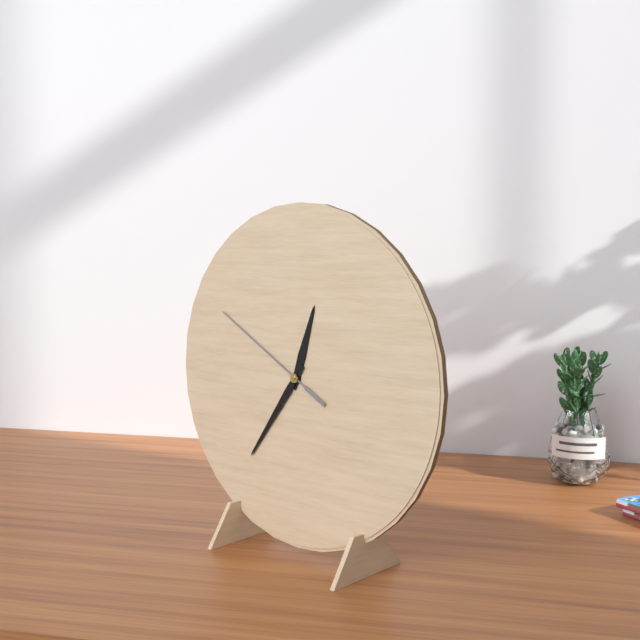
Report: 12 h 36 min 50 s
